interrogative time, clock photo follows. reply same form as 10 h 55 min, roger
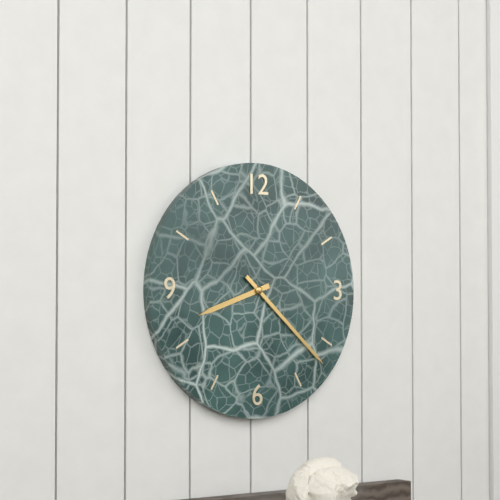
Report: 8 h 22 min
